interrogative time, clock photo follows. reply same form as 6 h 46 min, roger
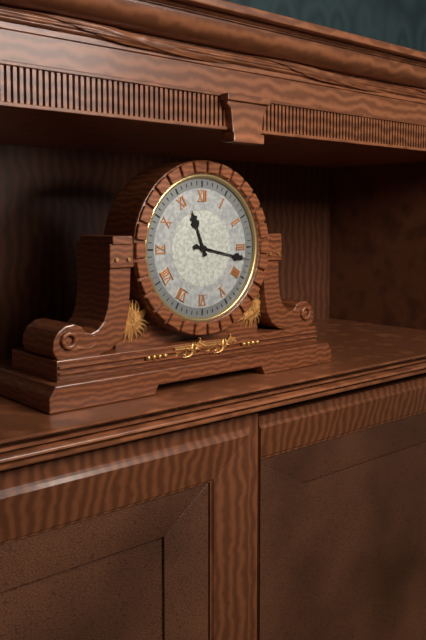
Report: 11 h 17 min
